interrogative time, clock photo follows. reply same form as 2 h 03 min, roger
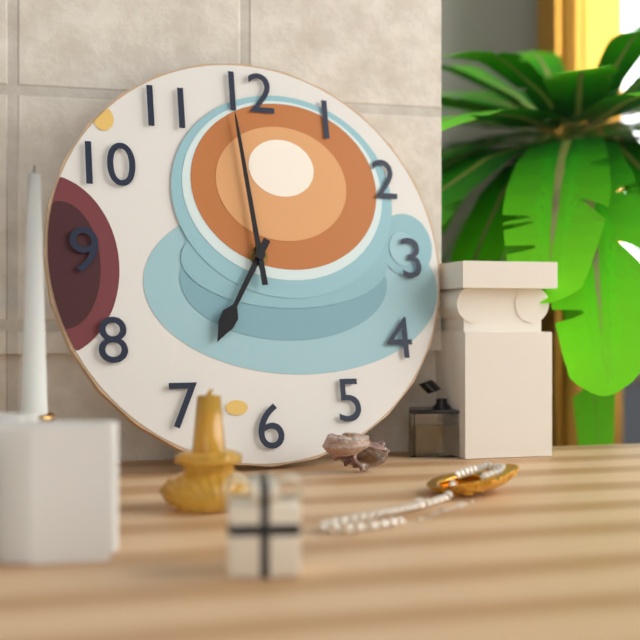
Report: 6 h 59 min
